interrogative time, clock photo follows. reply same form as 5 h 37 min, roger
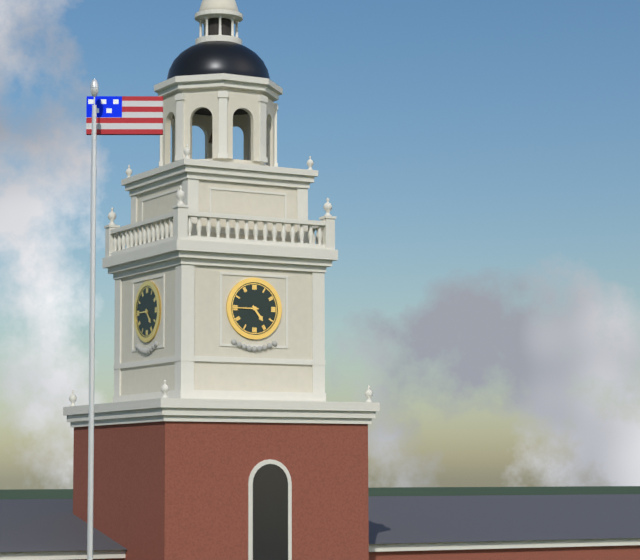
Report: 4 h 45 min
